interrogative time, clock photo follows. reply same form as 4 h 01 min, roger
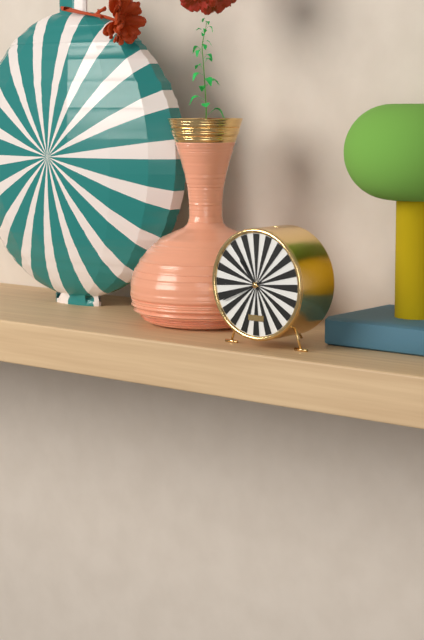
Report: 10 h 41 min
